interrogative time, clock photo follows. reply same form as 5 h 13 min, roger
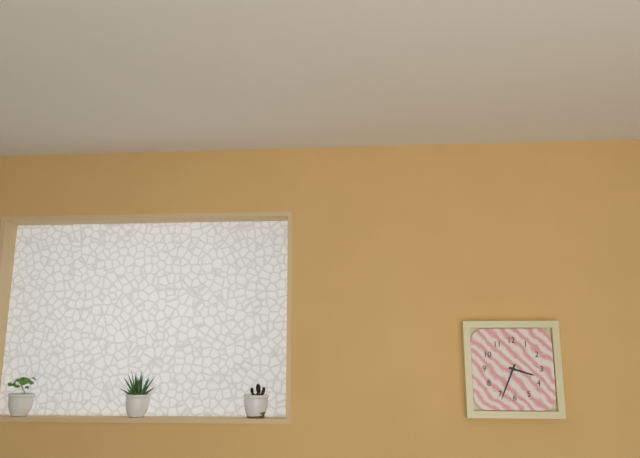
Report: 3 h 34 min
